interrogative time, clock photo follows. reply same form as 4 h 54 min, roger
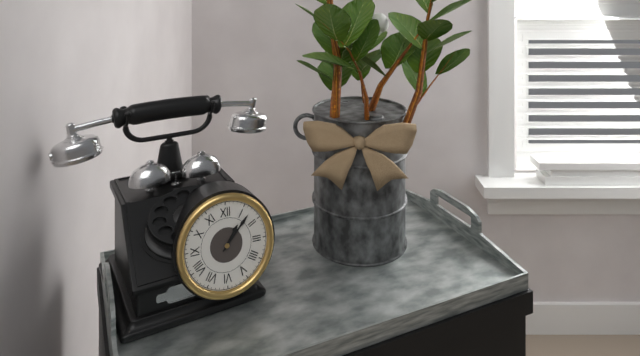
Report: 1 h 07 min
